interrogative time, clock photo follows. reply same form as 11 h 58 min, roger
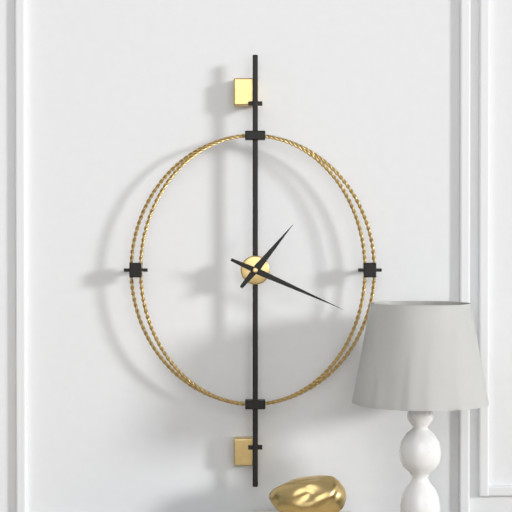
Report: 1 h 19 min
